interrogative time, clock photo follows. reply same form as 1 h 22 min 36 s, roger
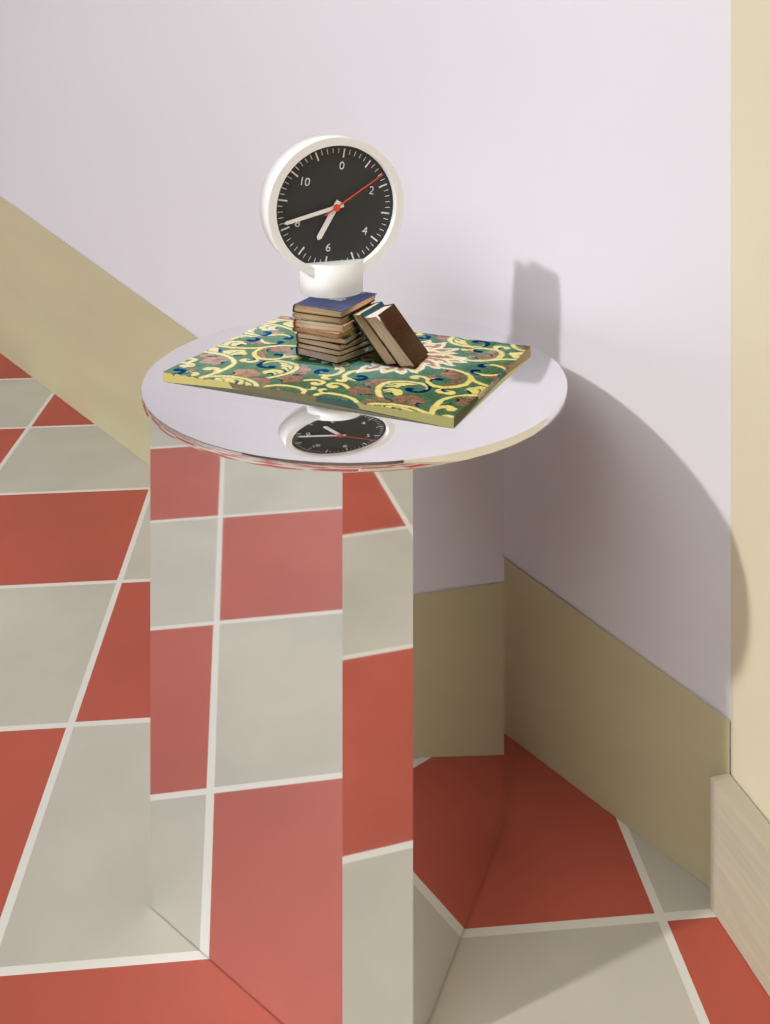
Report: 6 h 41 min 08 s
